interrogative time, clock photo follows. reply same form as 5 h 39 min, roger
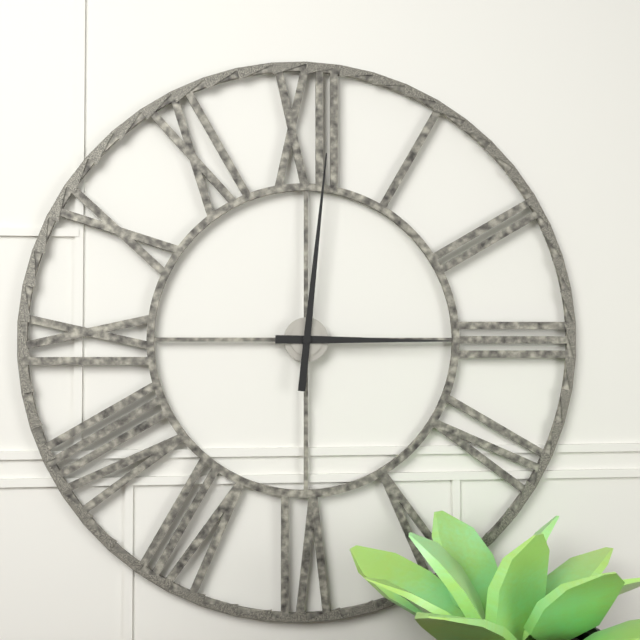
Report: 3 h 01 min
